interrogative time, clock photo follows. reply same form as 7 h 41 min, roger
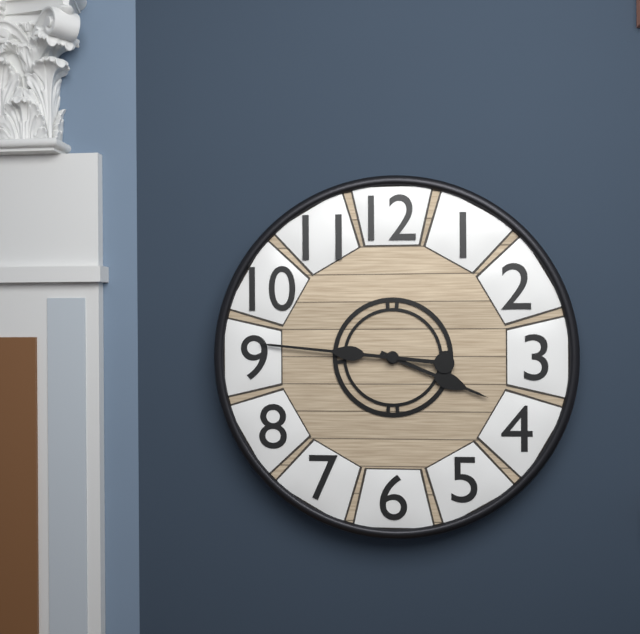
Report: 3 h 46 min
